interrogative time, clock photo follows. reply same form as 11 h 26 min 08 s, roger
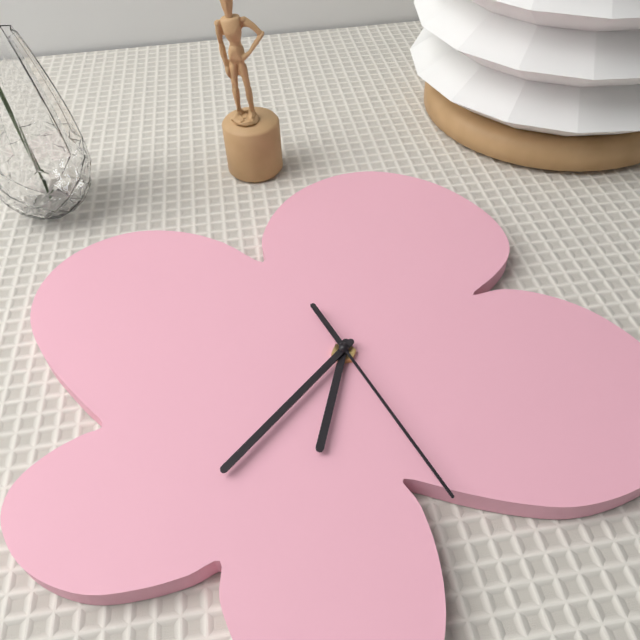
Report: 7 h 43 min 32 s
